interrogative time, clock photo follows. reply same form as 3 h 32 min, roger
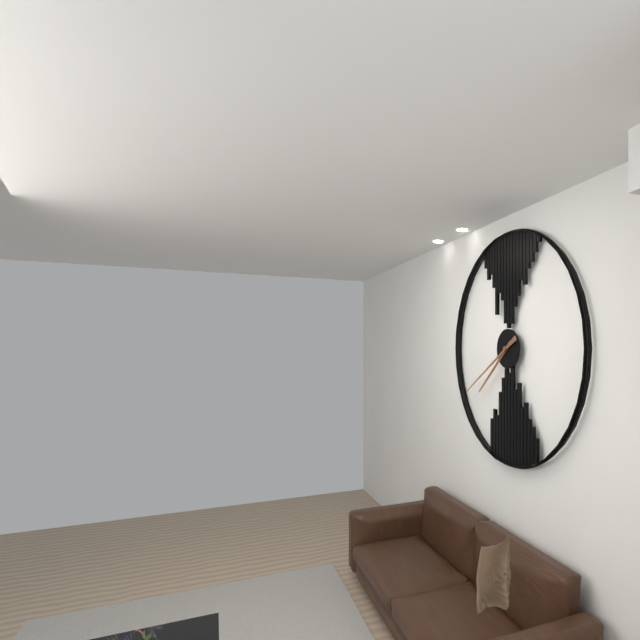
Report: 7 h 40 min
